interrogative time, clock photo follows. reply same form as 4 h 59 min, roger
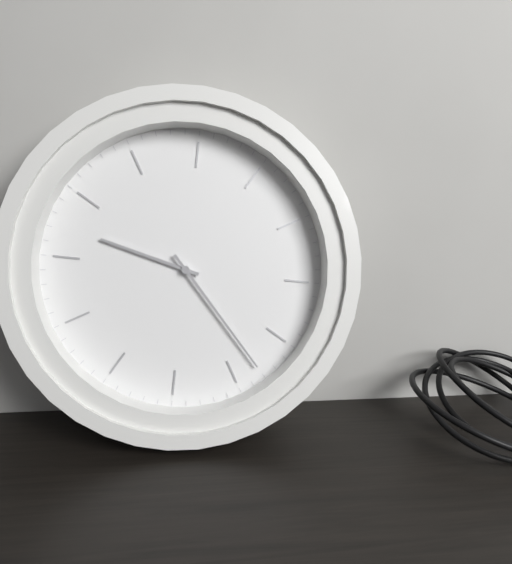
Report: 10 h 28 min
